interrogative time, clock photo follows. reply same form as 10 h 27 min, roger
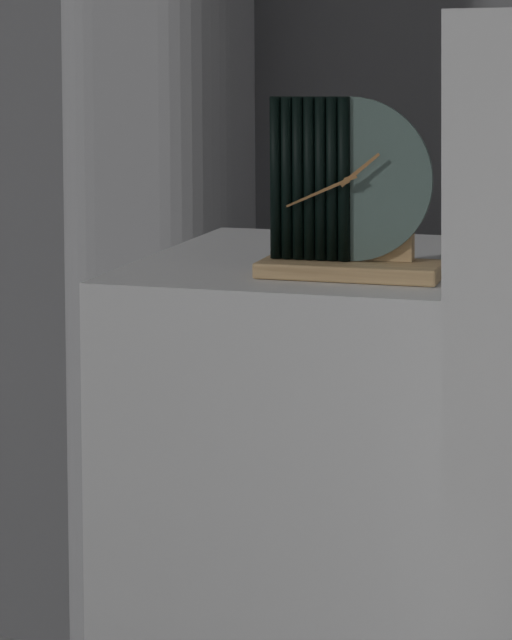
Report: 1 h 41 min
